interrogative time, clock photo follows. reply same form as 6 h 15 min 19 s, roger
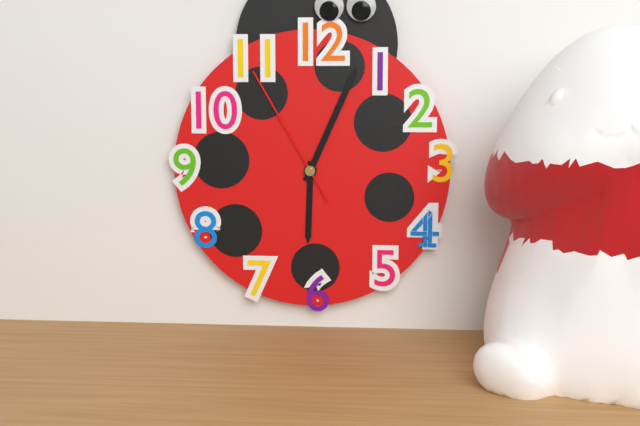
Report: 6 h 04 min 55 s
